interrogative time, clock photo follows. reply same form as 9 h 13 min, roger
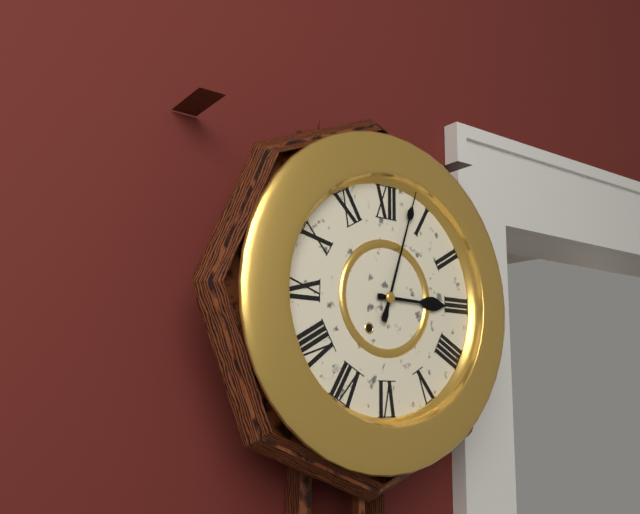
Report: 3 h 03 min
